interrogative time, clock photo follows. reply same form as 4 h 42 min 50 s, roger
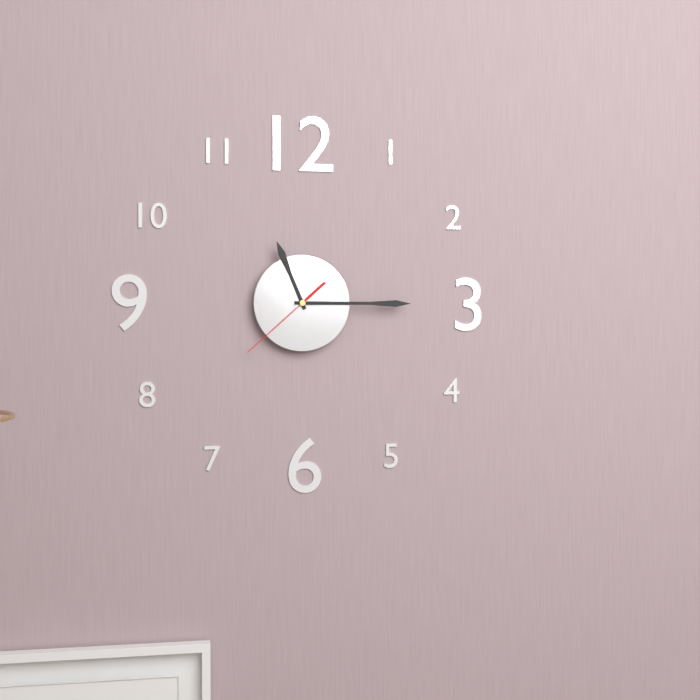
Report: 11 h 15 min 38 s
